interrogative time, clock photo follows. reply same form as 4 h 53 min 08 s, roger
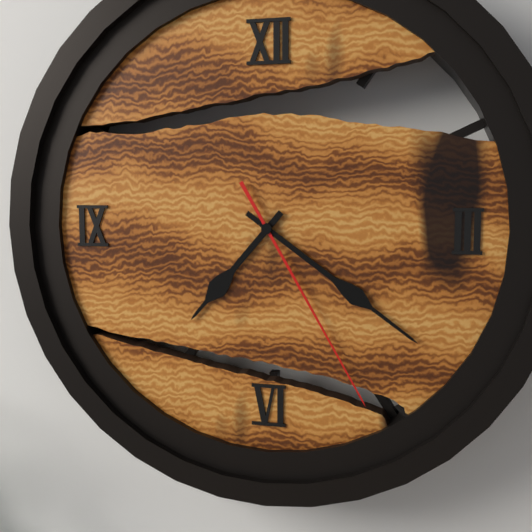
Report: 7 h 21 min 25 s
